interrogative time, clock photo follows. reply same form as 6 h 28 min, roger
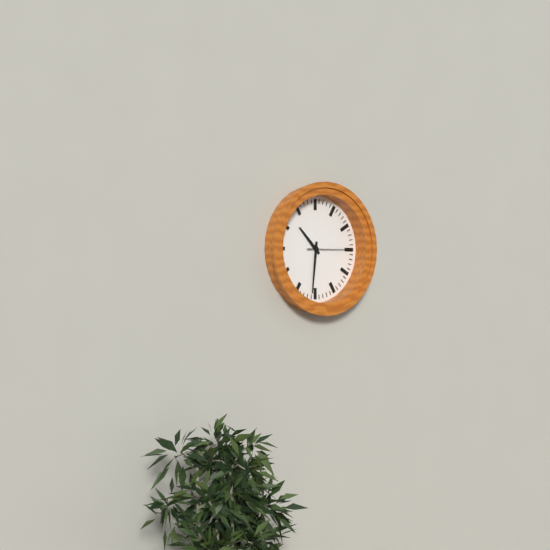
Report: 10 h 31 min
